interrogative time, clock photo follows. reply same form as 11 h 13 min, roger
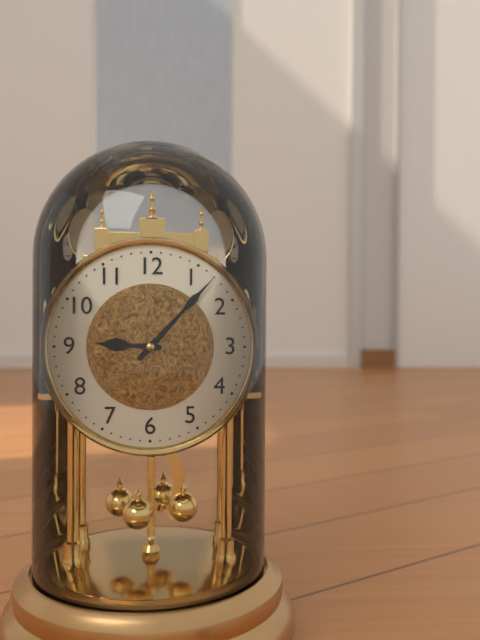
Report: 9 h 07 min
